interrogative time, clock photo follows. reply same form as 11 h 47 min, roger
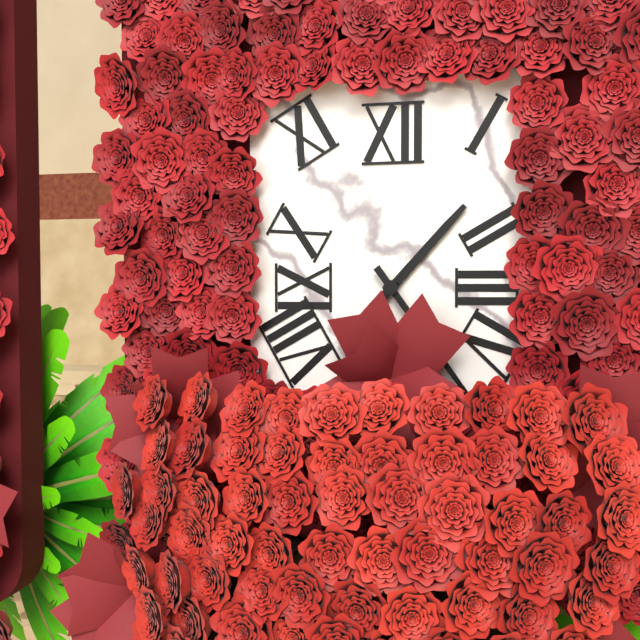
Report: 1 h 24 min
